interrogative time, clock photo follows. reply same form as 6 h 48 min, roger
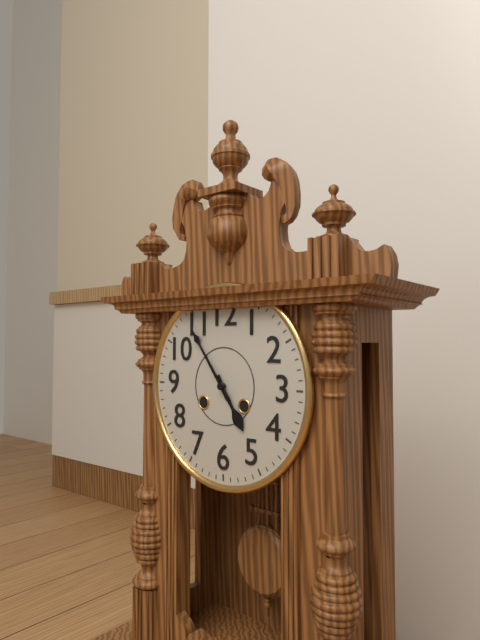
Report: 4 h 54 min
